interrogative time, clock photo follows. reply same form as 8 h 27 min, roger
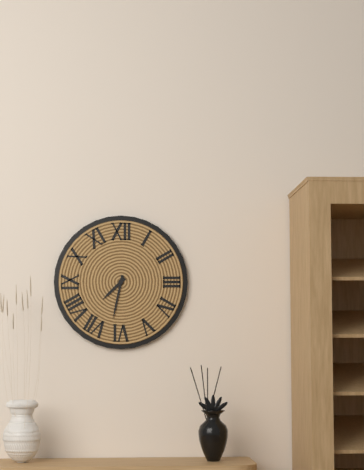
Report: 7 h 32 min
